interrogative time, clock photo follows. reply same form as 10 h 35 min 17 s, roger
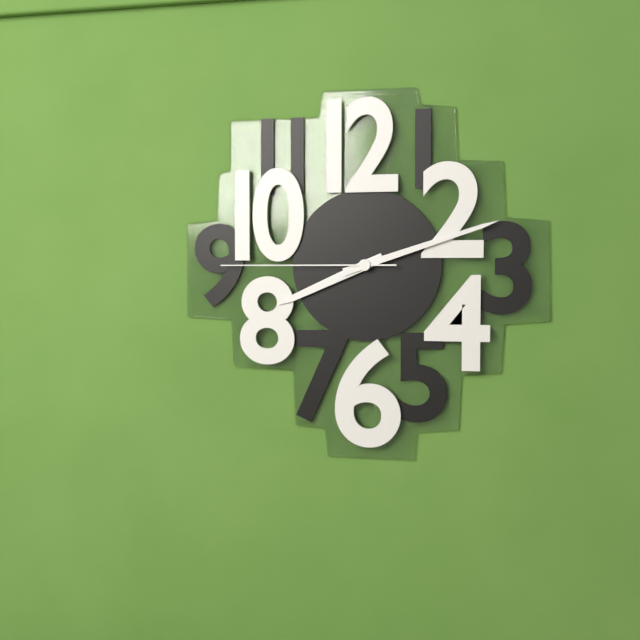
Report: 8 h 12 min 45 s
